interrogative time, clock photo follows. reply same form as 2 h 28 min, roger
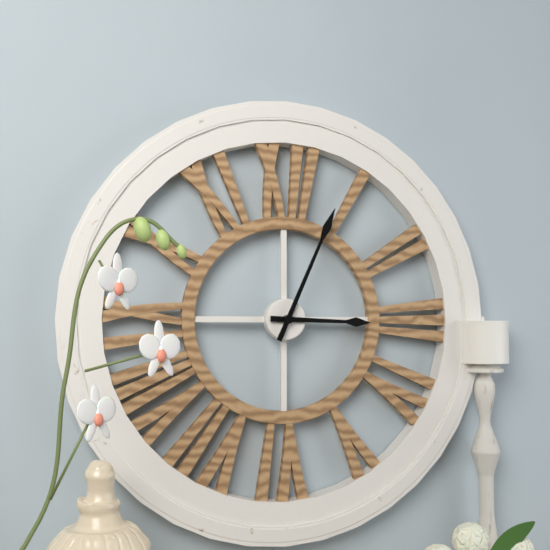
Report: 3 h 04 min
